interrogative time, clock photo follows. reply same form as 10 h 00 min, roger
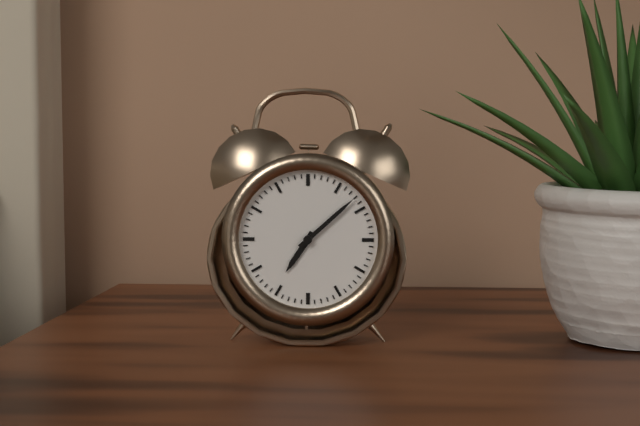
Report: 7 h 08 min
